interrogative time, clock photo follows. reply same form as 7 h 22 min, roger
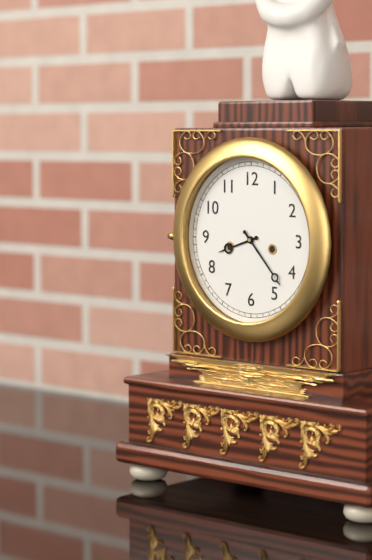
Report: 8 h 23 min
